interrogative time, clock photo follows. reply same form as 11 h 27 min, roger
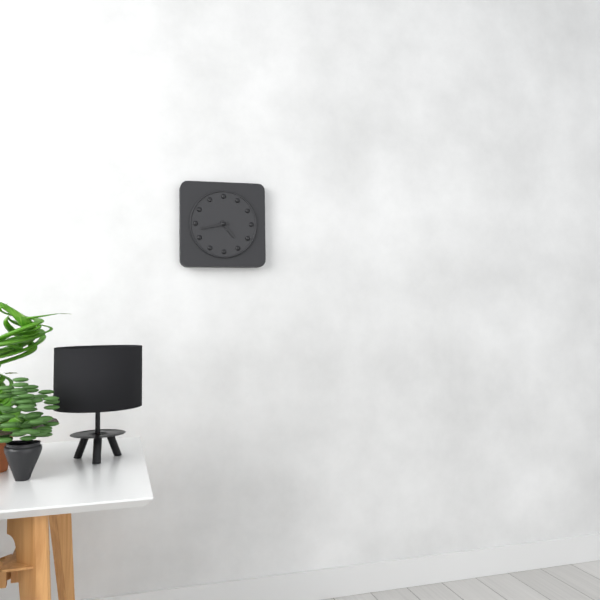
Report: 4 h 43 min
